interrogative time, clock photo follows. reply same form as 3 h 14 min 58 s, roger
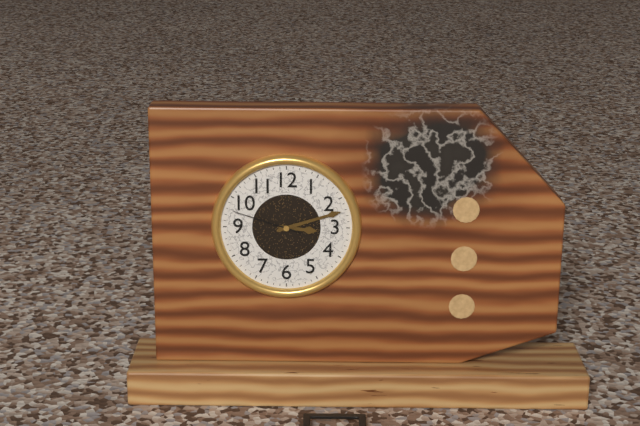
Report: 3 h 12 min 48 s
